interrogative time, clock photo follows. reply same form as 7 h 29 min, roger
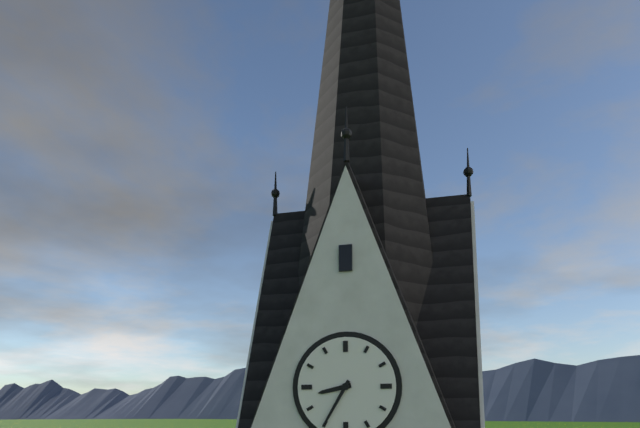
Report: 8 h 35 min
